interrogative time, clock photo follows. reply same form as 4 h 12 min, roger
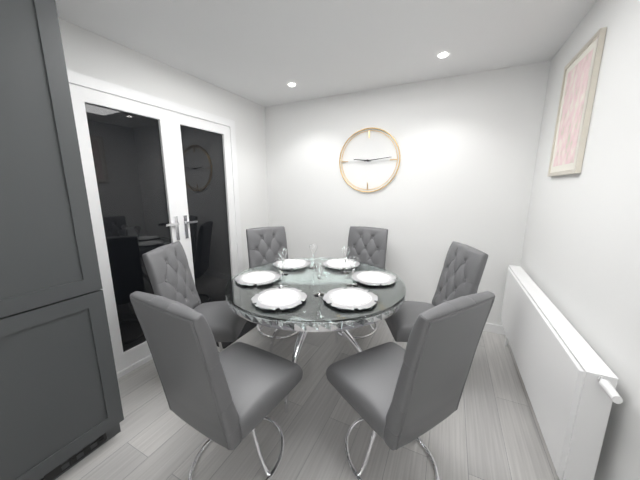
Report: 9 h 14 min
